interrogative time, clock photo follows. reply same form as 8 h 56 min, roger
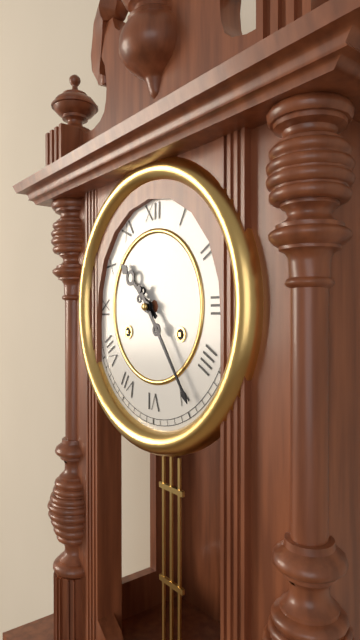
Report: 10 h 24 min
